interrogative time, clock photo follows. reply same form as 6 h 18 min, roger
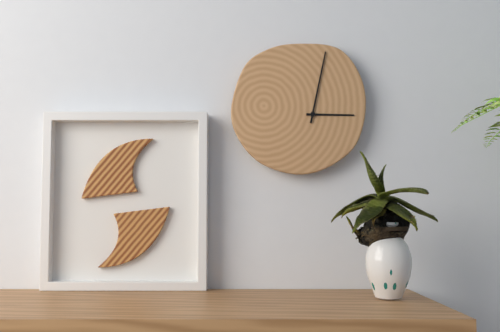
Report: 3 h 02 min
